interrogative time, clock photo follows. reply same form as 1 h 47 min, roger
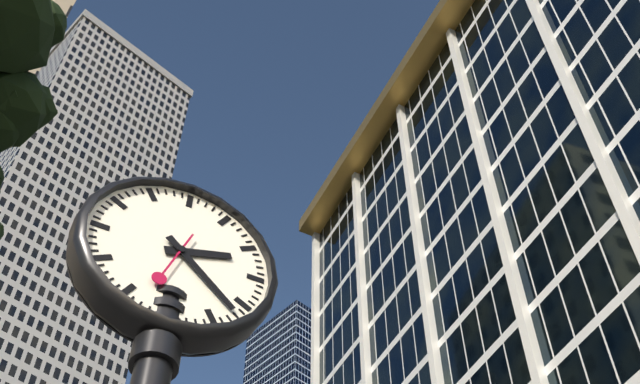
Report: 2 h 22 min
